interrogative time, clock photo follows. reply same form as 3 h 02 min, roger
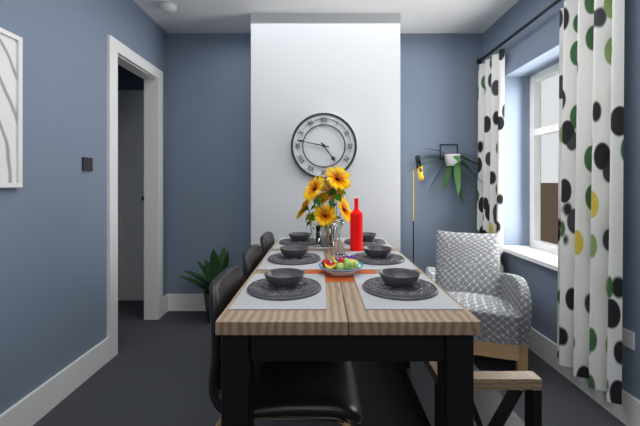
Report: 4 h 47 min
